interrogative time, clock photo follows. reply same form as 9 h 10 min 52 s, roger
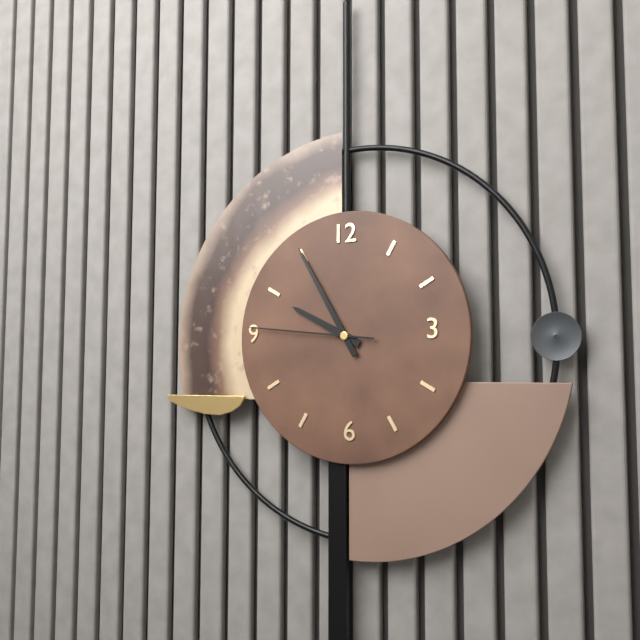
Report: 9 h 55 min 46 s
